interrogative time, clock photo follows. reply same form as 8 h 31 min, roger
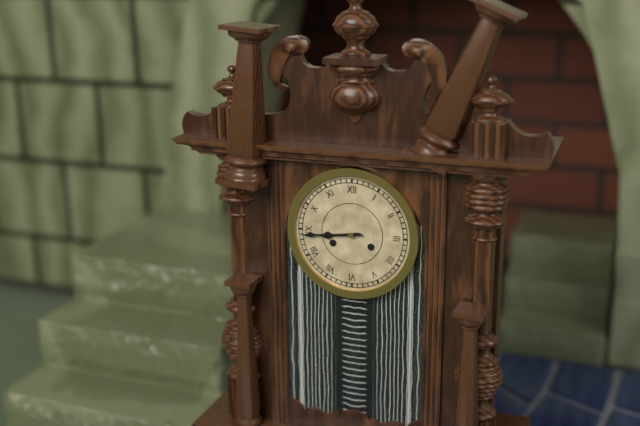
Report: 8 h 44 min
